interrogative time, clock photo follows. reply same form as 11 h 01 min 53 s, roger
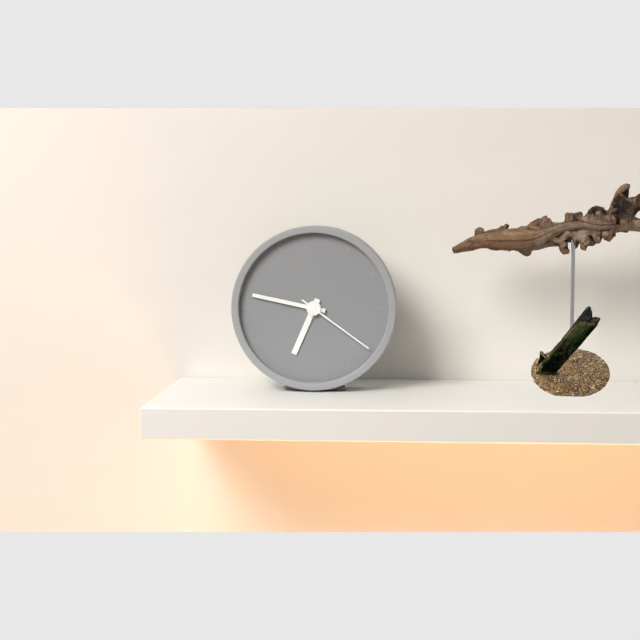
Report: 6 h 47 min 21 s
